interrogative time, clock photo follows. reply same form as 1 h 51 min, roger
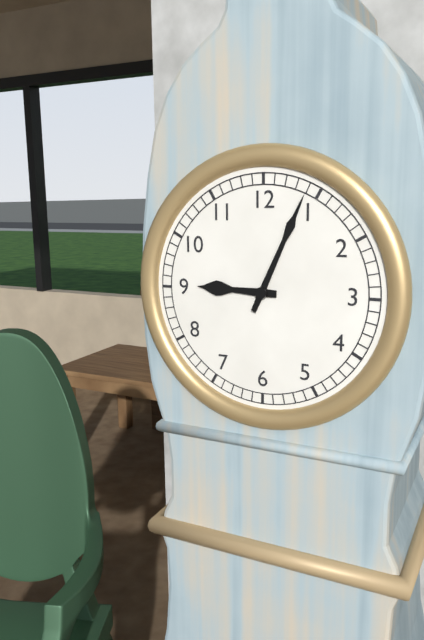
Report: 9 h 04 min
